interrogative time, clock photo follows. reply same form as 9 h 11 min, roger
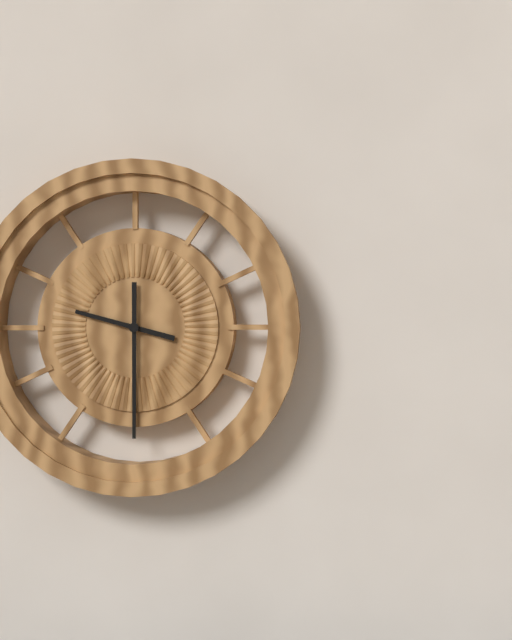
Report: 9 h 30 min
